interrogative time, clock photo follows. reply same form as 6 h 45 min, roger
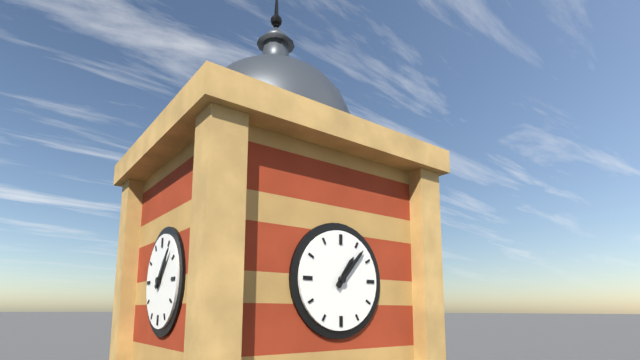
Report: 1 h 07 min
